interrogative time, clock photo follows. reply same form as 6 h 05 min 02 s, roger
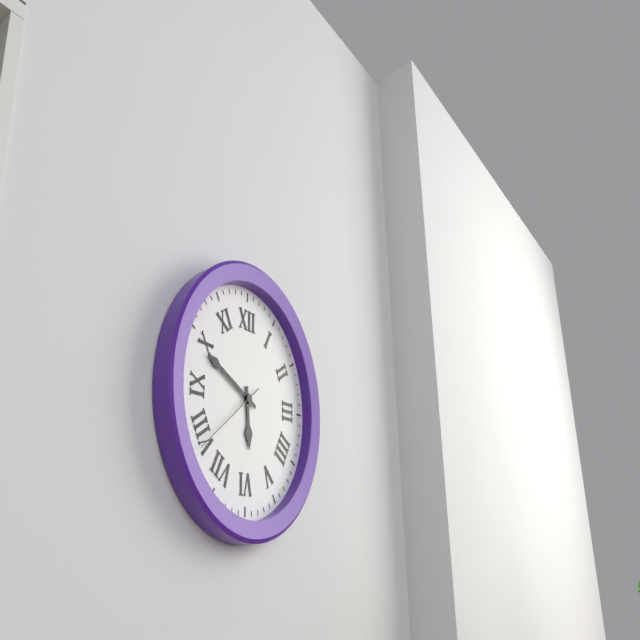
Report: 5 h 49 min 39 s
